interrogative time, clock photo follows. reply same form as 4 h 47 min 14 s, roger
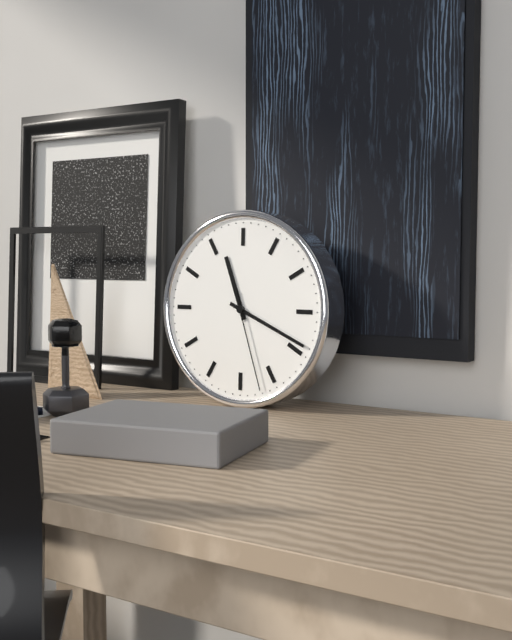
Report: 11 h 19 min 27 s
